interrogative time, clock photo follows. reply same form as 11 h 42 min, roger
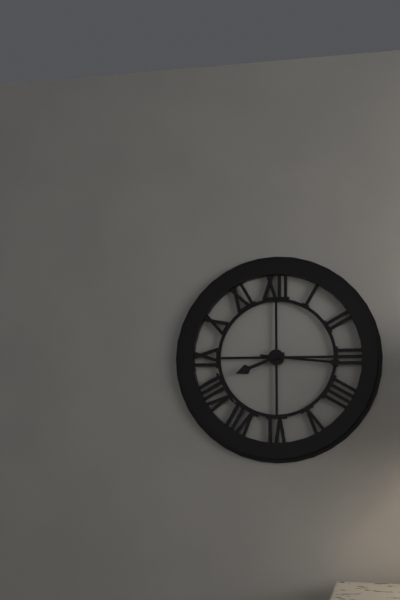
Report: 8 h 16 min
